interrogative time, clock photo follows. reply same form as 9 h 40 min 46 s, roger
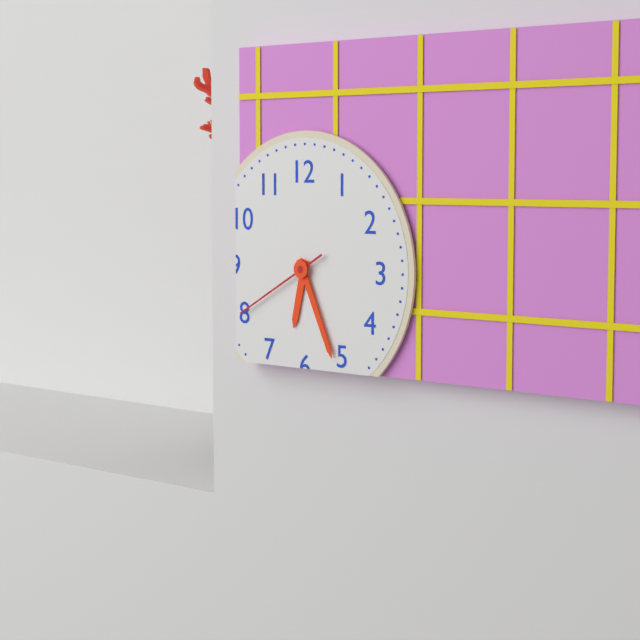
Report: 6 h 26 min 40 s
